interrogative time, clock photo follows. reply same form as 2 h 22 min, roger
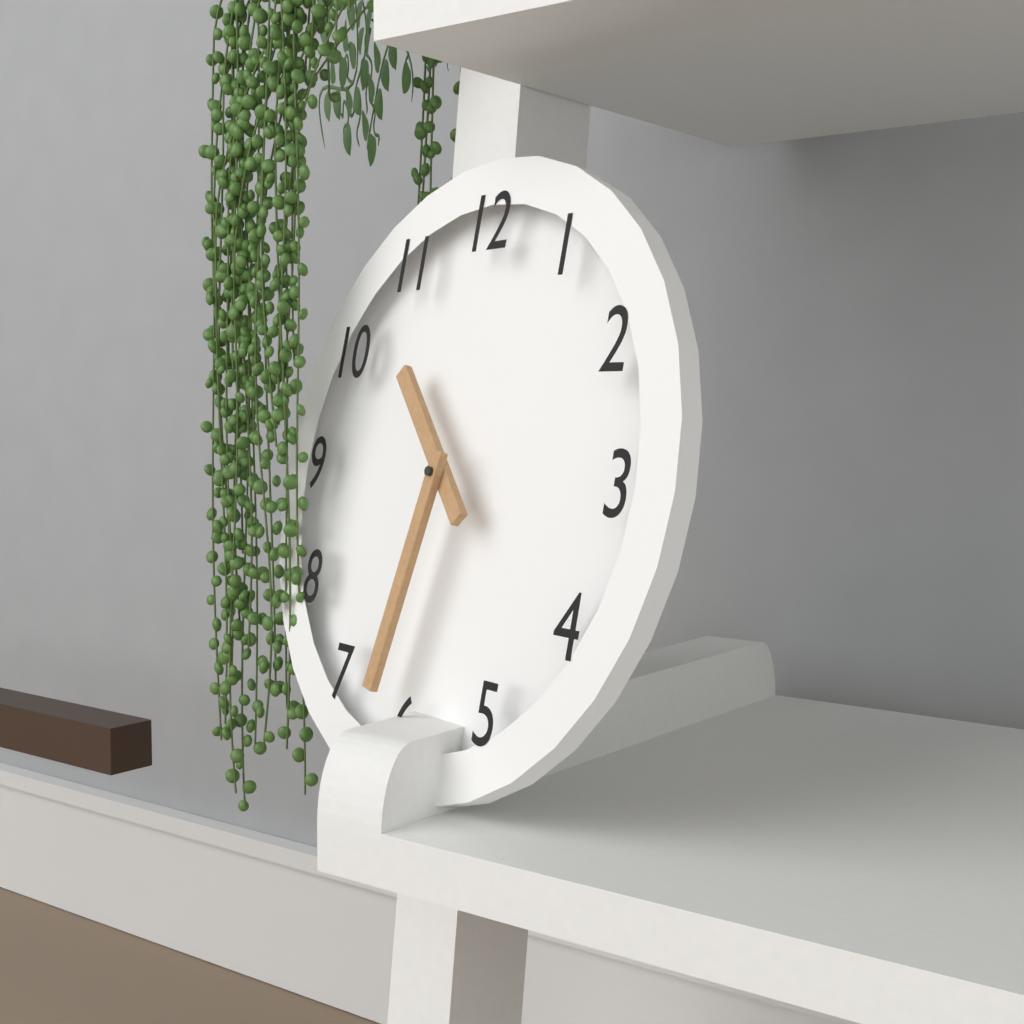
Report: 10 h 32 min
